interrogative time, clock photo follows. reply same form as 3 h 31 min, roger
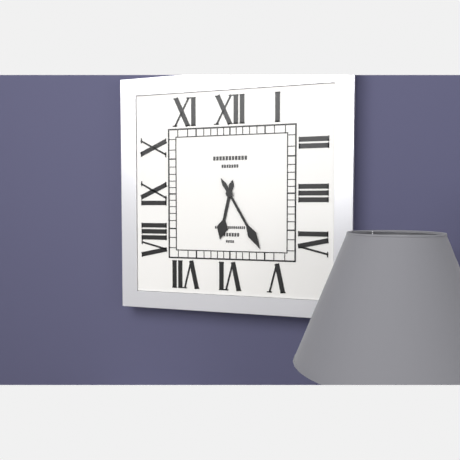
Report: 6 h 25 min
